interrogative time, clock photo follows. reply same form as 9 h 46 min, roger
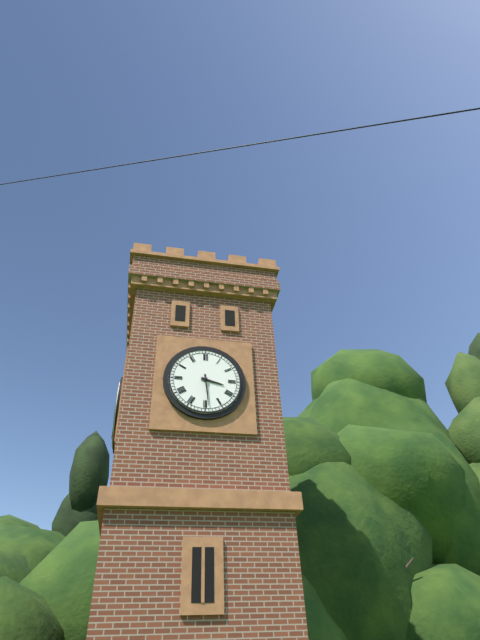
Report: 3 h 29 min
